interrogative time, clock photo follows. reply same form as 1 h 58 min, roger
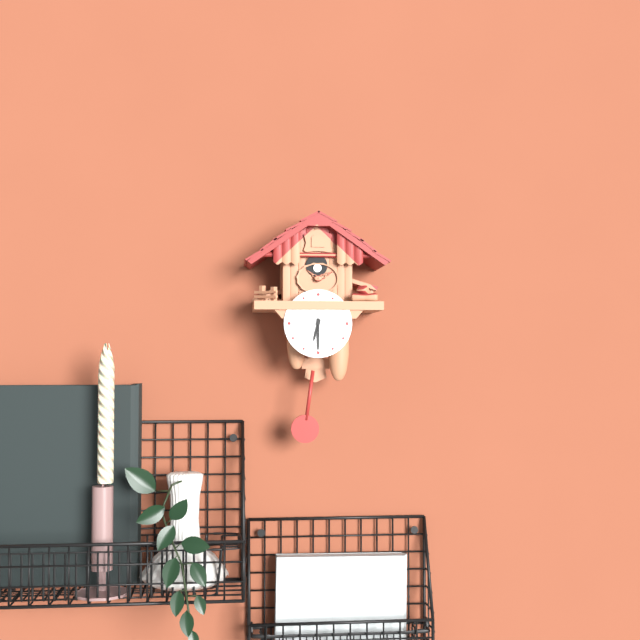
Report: 6 h 30 min
